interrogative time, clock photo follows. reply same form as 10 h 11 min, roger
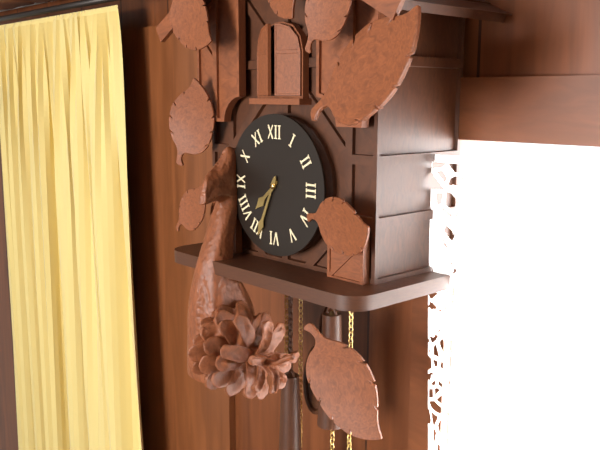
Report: 7 h 34 min
